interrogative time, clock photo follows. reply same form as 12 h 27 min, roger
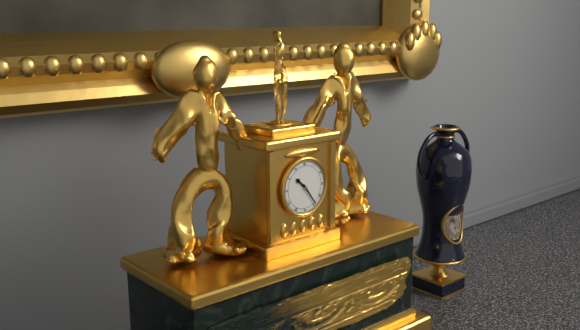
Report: 10 h 24 min
